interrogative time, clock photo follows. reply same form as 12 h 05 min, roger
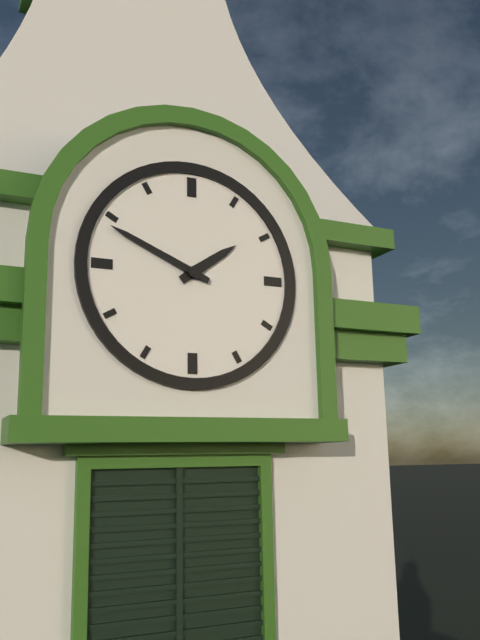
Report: 1 h 49 min
